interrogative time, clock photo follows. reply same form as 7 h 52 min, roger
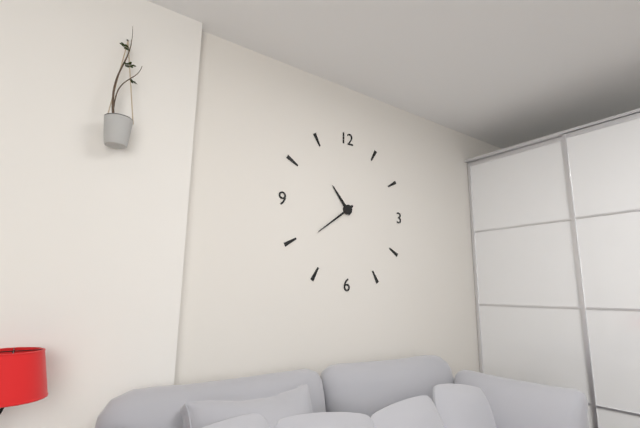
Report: 10 h 39 min
